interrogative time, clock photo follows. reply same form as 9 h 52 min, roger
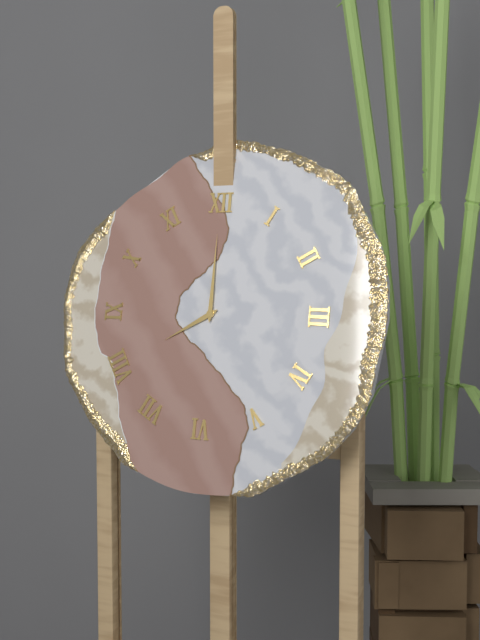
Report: 8 h 00 min
